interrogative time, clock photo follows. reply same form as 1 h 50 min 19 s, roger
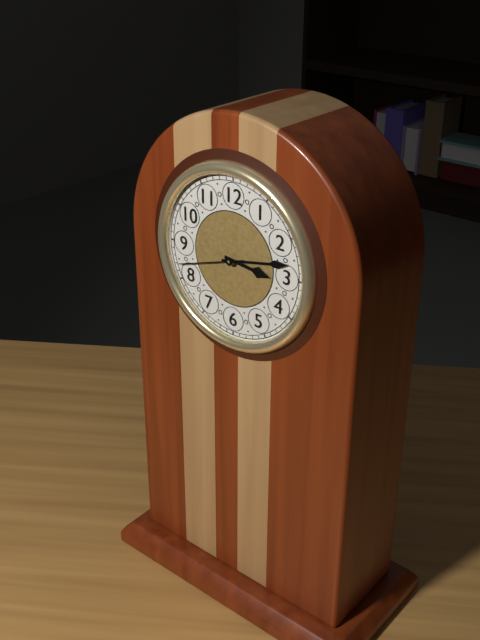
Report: 3 h 13 min 42 s
